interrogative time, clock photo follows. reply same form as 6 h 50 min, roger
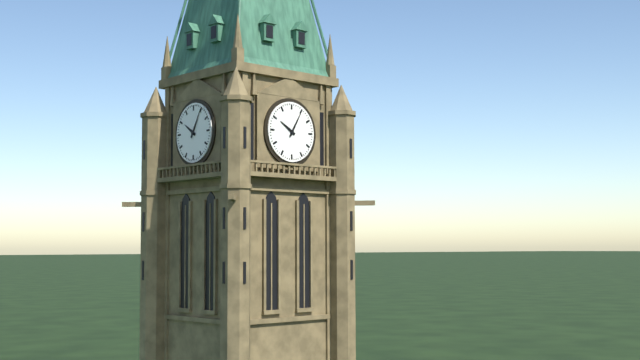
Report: 10 h 05 min
